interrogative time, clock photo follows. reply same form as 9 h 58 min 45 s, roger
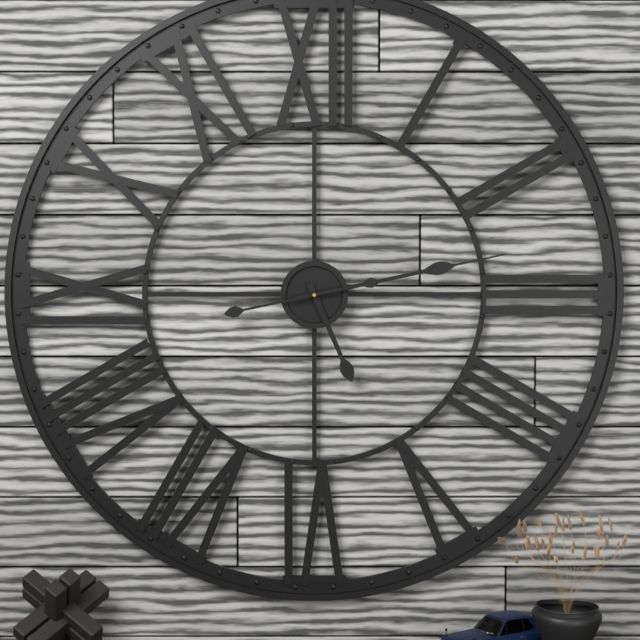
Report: 5 h 13 min 43 s
